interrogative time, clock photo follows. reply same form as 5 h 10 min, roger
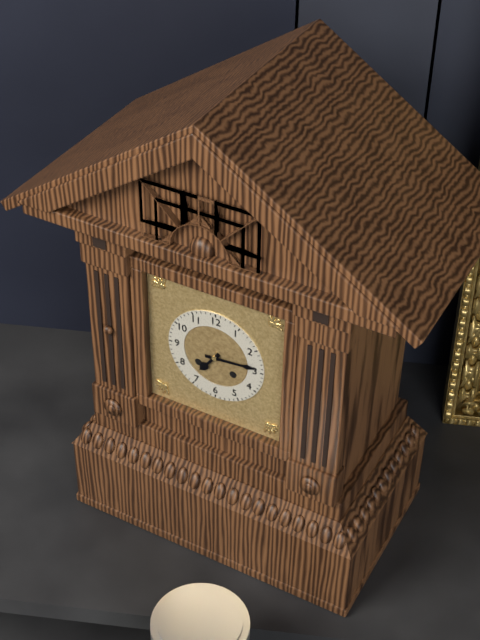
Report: 7 h 14 min
